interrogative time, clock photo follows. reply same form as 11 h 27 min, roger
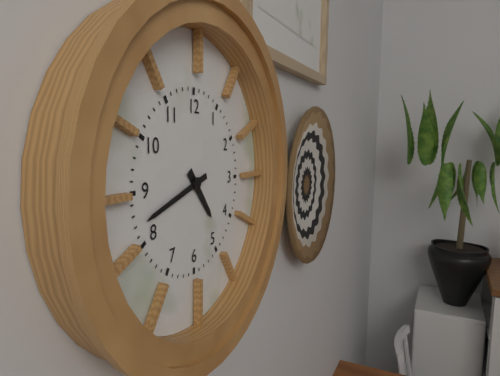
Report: 4 h 42 min
